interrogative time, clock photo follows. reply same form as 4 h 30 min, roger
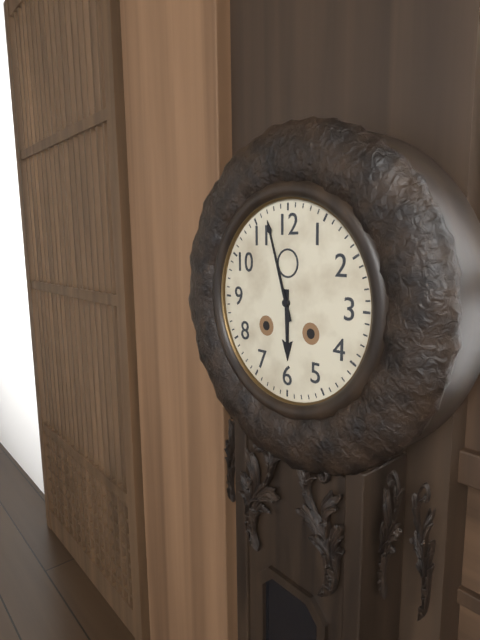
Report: 5 h 57 min
